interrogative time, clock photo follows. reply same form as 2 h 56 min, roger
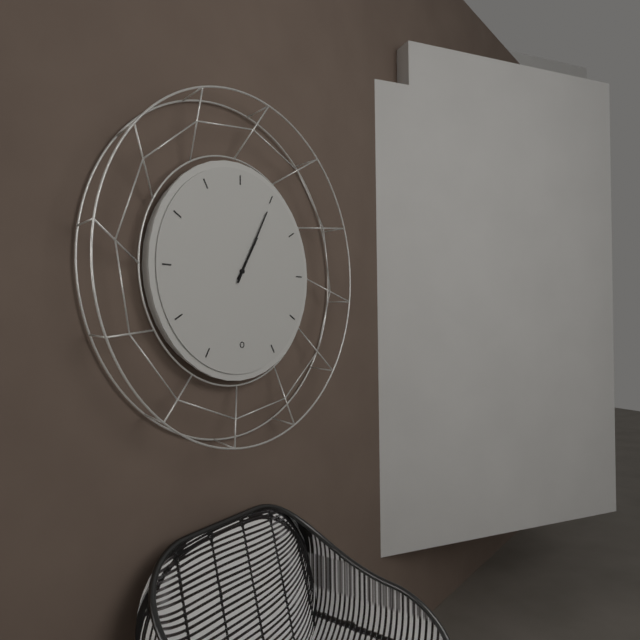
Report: 1 h 05 min
